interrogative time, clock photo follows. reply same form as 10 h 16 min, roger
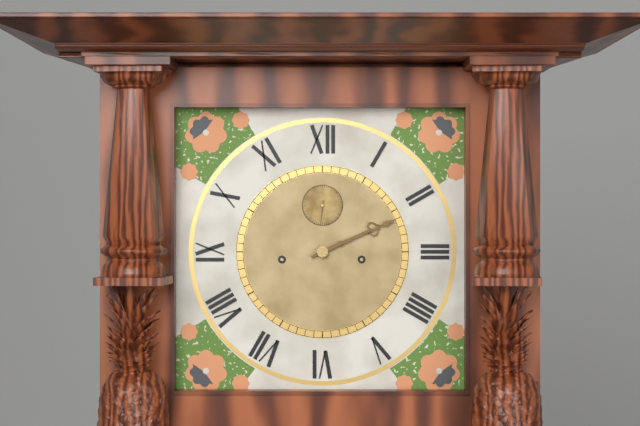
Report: 2 h 11 min
